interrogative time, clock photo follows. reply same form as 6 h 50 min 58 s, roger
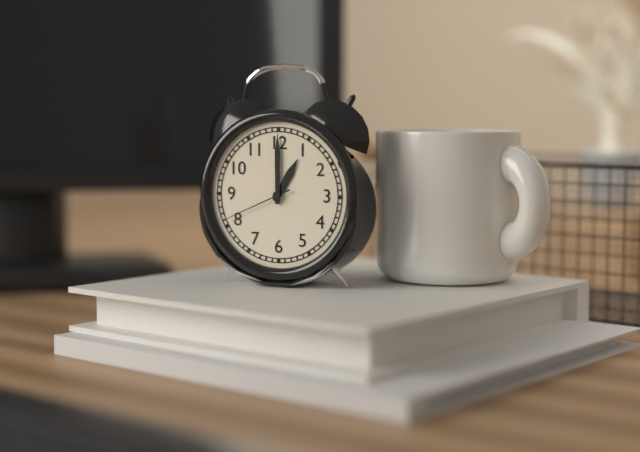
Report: 1 h 00 min 41 s
